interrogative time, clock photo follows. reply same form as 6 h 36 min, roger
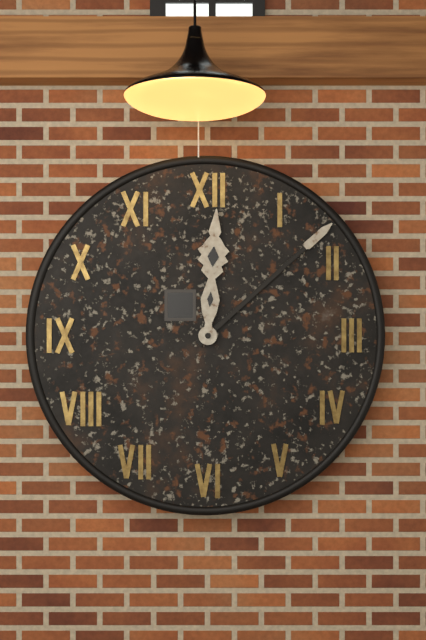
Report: 12 h 08 min
